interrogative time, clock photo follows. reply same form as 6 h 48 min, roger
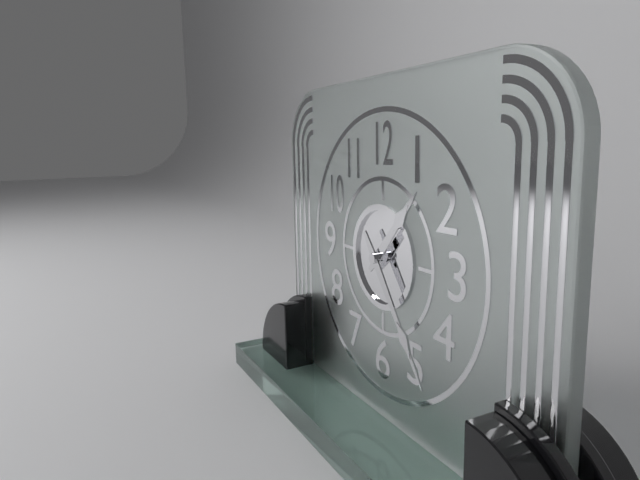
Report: 1 h 24 min
